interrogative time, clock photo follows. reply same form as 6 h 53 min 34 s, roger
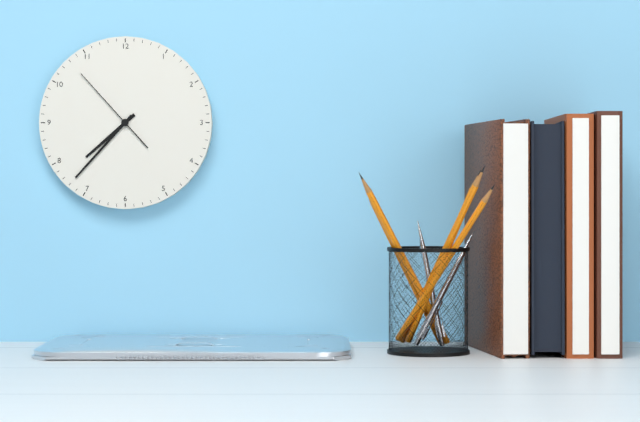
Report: 7 h 37 min 53 s
